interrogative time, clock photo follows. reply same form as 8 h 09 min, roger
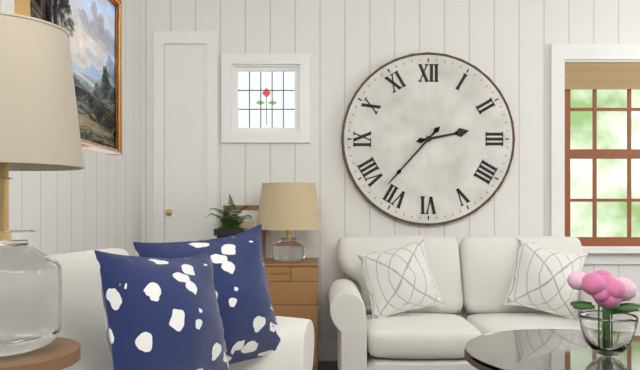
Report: 2 h 37 min
